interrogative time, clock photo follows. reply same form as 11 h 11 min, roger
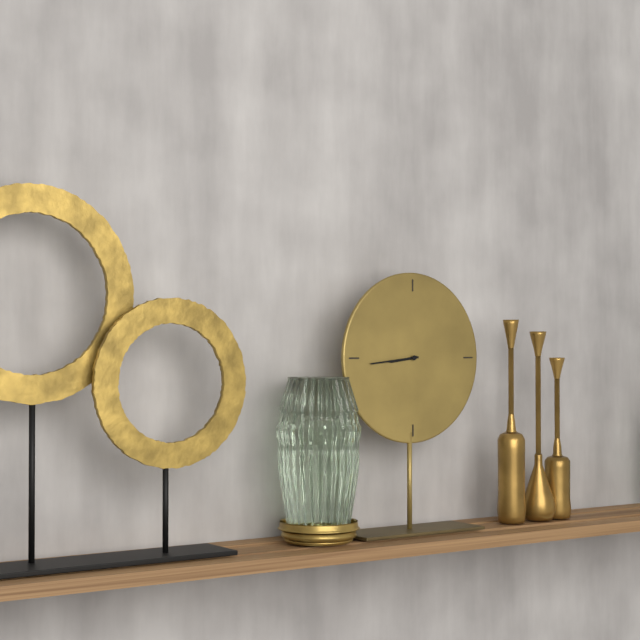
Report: 8 h 44 min
